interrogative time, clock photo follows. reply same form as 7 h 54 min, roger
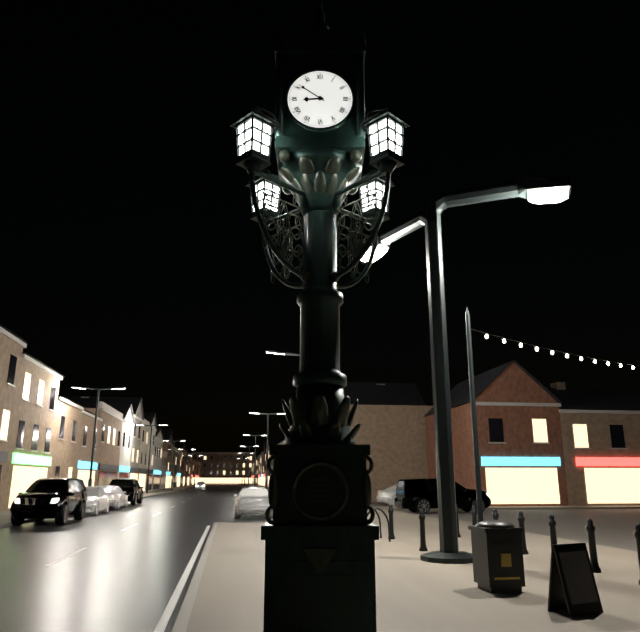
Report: 8 h 51 min
